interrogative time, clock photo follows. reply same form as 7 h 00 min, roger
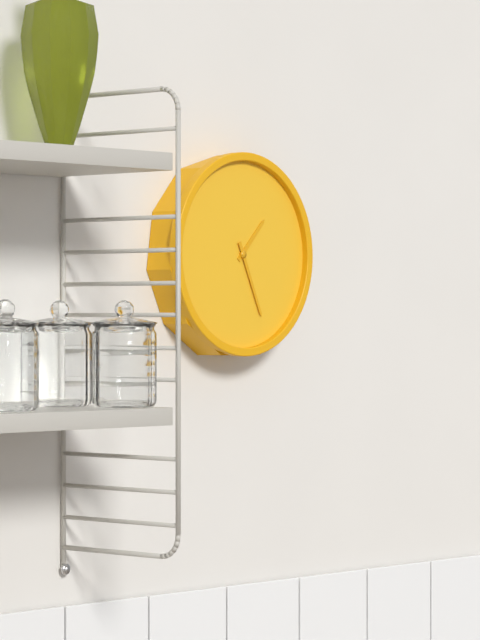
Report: 1 h 26 min
